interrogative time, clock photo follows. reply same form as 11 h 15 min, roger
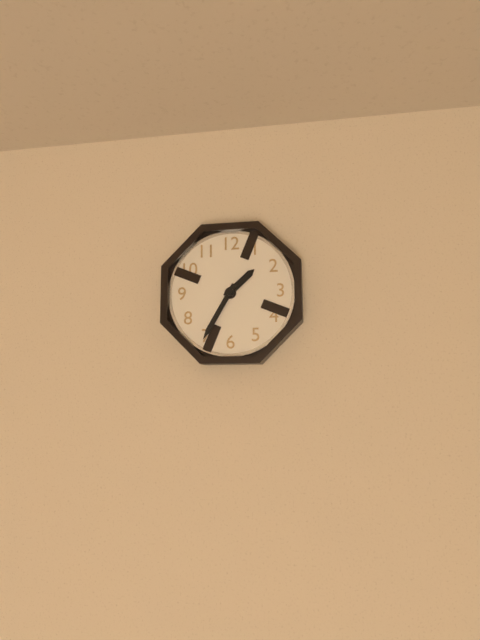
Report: 1 h 35 min
